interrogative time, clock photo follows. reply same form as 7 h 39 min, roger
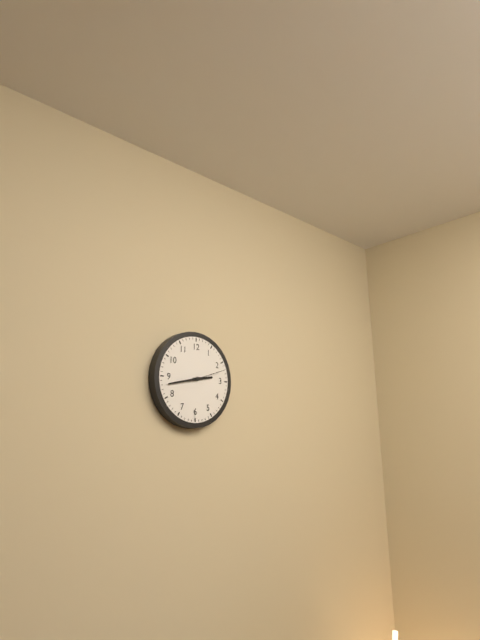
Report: 2 h 43 min
